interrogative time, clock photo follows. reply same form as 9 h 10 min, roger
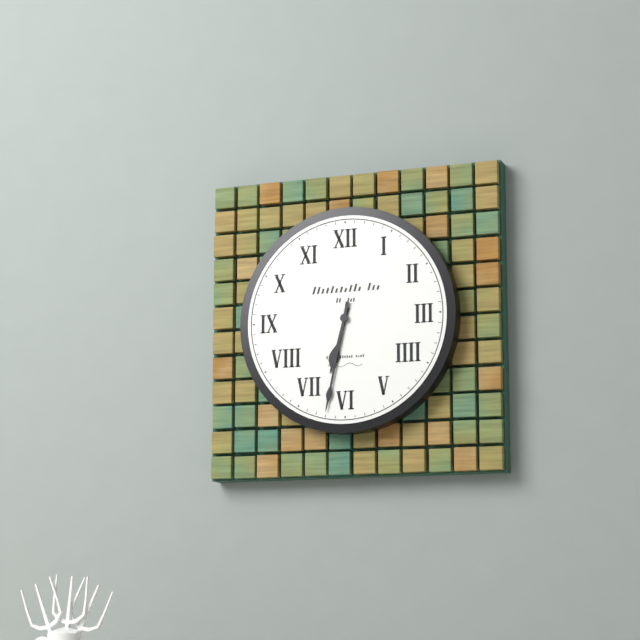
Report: 6 h 32 min
